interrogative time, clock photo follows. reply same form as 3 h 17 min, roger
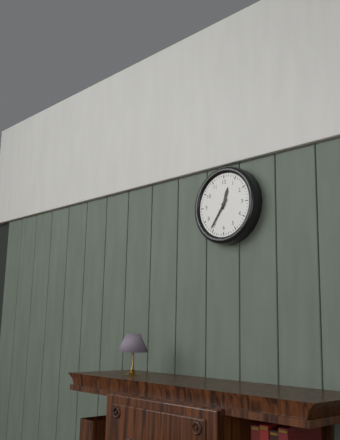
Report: 12 h 36 min
